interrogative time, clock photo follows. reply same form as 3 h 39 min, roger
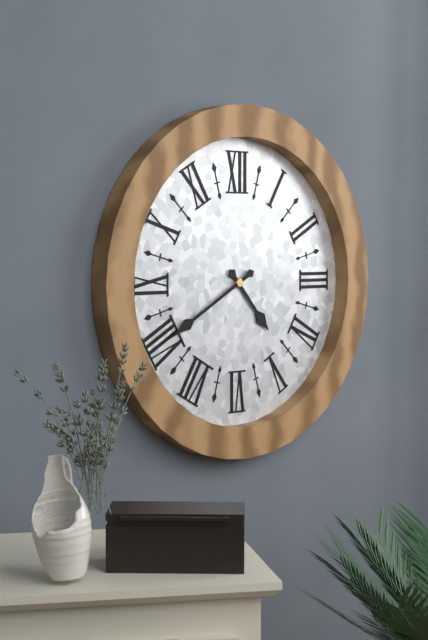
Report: 4 h 40 min
